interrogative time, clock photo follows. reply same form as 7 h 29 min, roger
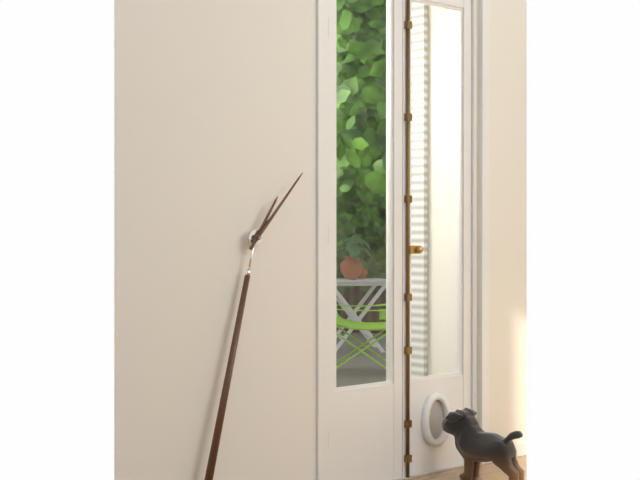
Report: 1 h 07 min
